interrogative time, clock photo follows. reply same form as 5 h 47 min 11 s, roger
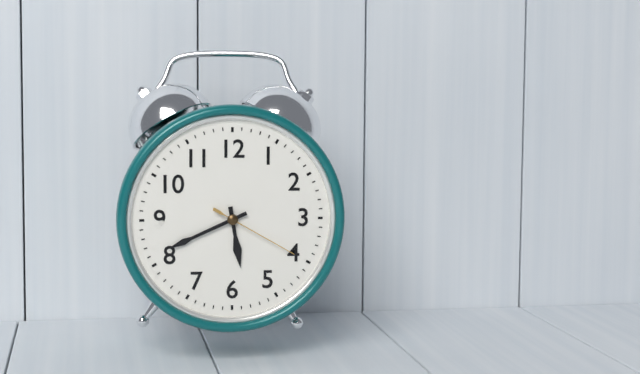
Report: 5 h 41 min 20 s
